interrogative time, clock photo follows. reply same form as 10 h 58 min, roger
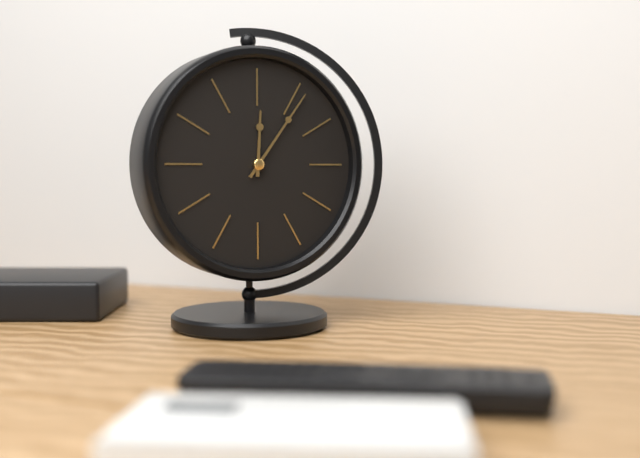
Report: 12 h 06 min
